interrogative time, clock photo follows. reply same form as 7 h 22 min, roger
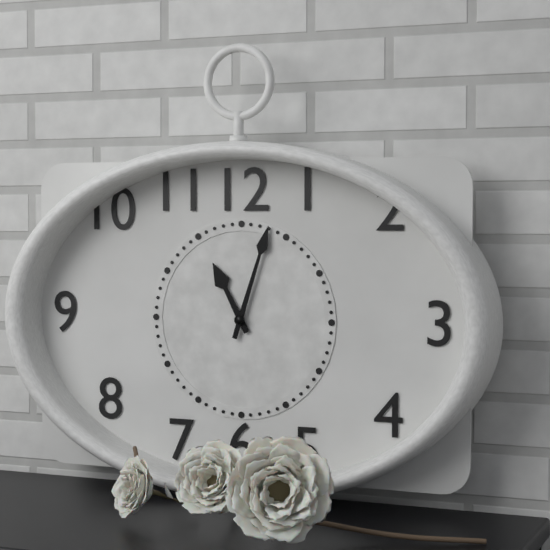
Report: 11 h 03 min
